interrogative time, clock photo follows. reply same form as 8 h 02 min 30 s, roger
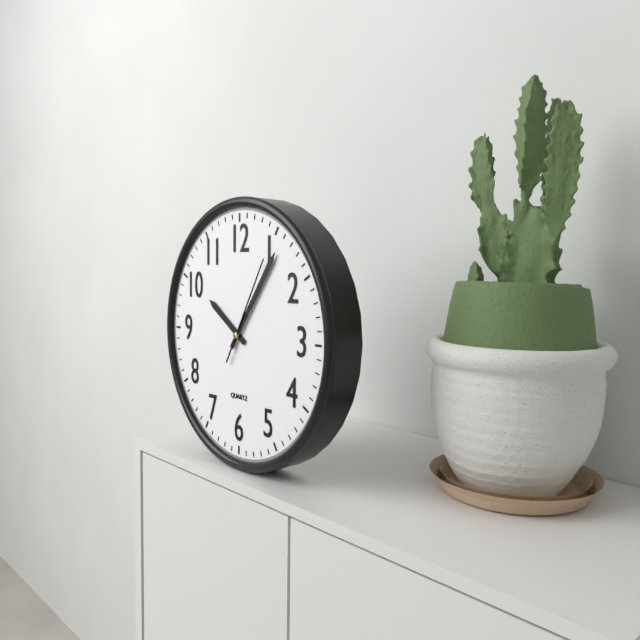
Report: 10 h 06 min 05 s
